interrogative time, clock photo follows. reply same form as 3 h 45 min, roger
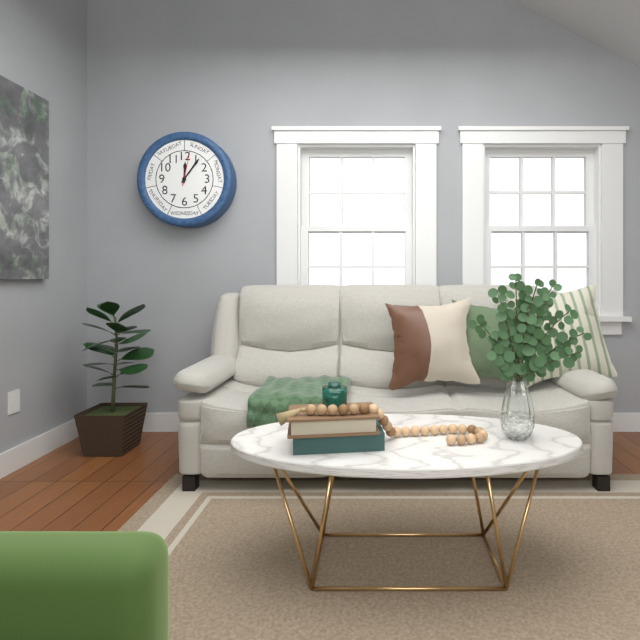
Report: 12 h 06 min
